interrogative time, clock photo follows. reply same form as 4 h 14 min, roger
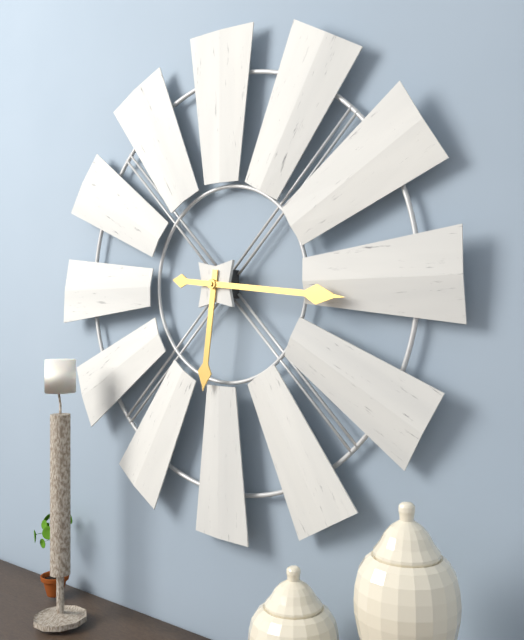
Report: 6 h 16 min
